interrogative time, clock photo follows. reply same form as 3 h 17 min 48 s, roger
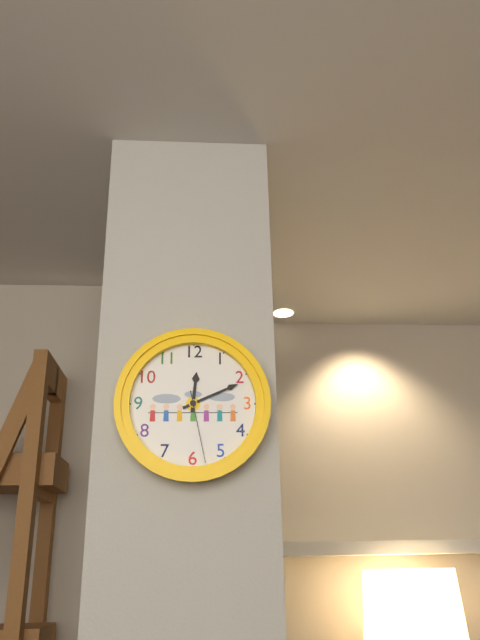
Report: 12 h 11 min 28 s
